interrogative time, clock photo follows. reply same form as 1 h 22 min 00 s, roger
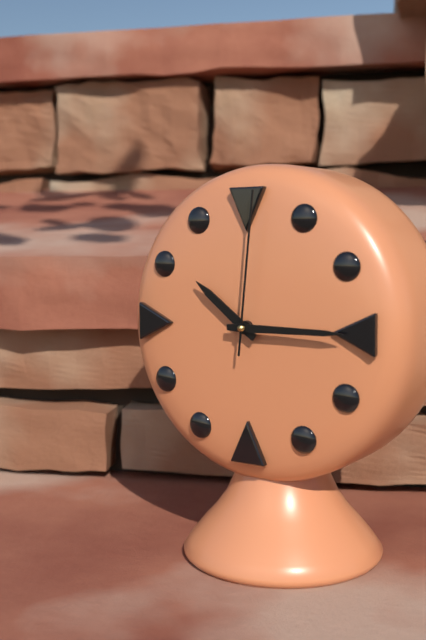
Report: 10 h 15 min 01 s
